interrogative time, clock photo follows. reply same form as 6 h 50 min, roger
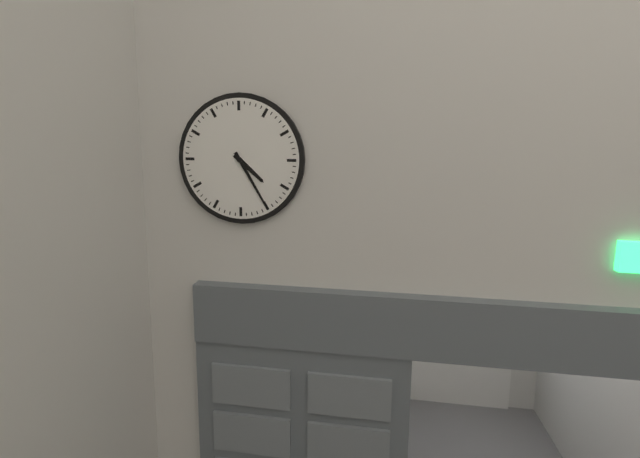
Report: 4 h 25 min
